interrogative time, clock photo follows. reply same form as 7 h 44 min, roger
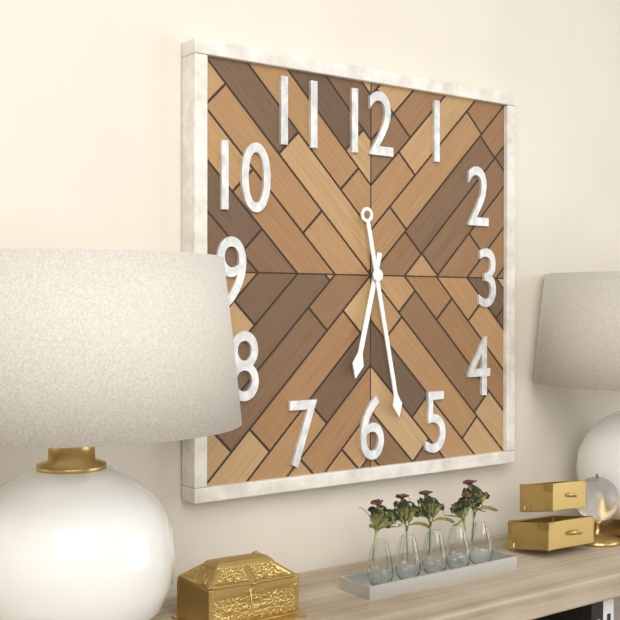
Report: 6 h 28 min
